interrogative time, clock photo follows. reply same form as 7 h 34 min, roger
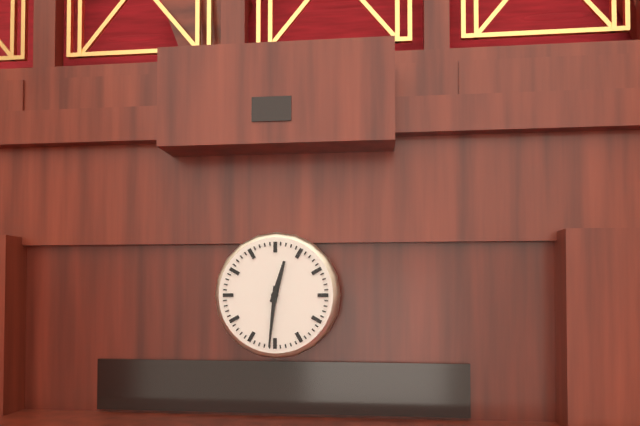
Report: 12 h 31 min
